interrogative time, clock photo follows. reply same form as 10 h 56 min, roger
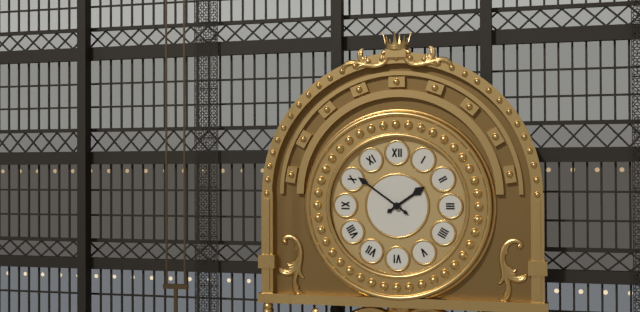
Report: 1 h 51 min
